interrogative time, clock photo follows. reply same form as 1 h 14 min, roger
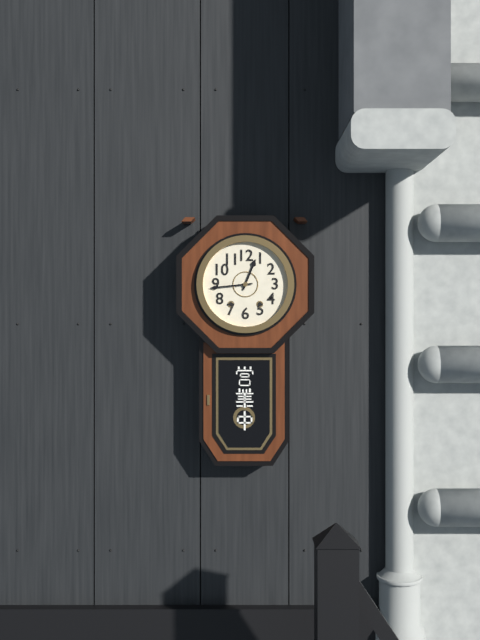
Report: 12 h 44 min
